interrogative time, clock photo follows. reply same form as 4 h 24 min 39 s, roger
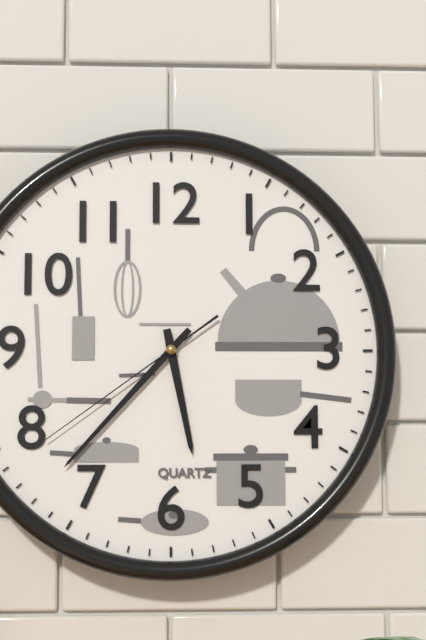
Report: 5 h 37 min 39 s
